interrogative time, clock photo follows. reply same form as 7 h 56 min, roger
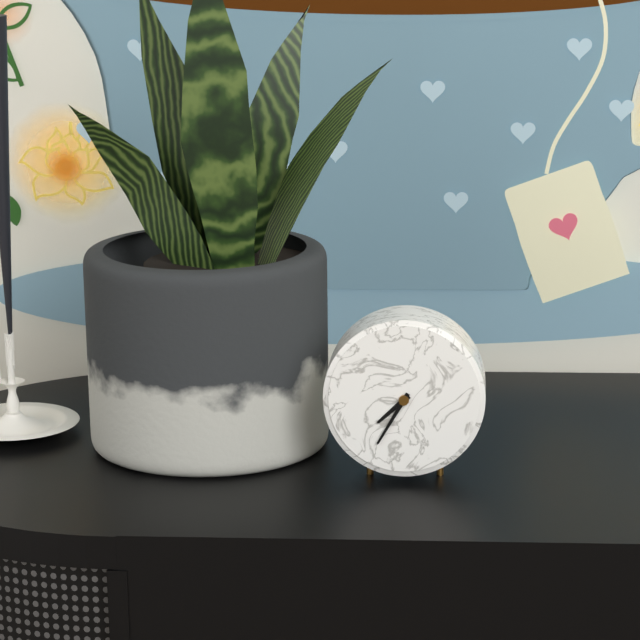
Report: 7 h 35 min
